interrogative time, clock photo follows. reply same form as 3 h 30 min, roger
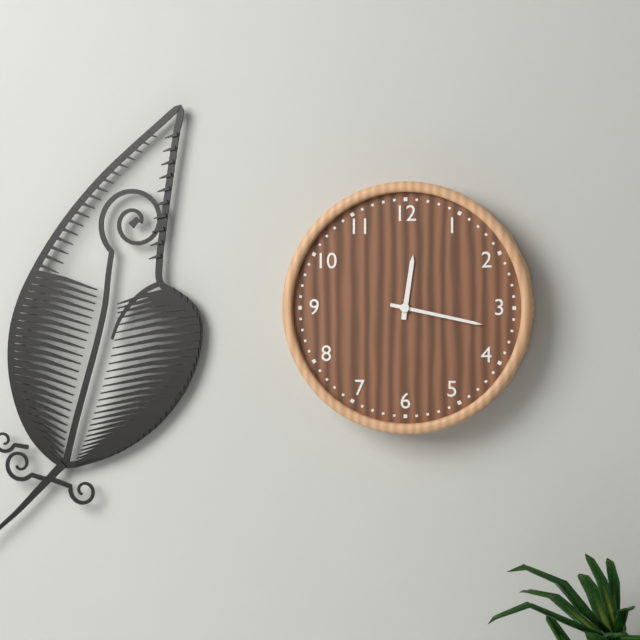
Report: 12 h 17 min
